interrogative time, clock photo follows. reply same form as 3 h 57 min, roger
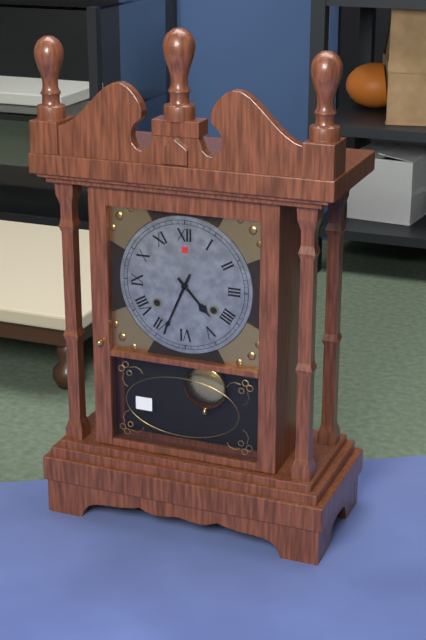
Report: 4 h 34 min
